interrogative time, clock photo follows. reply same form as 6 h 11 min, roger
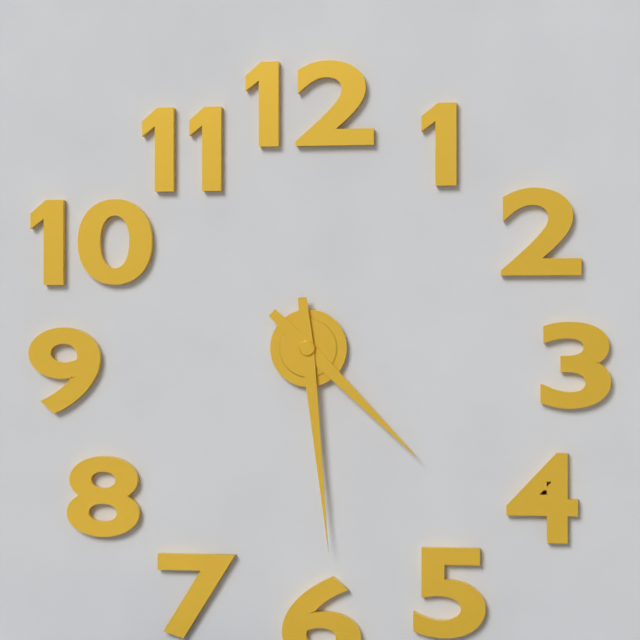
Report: 4 h 29 min
